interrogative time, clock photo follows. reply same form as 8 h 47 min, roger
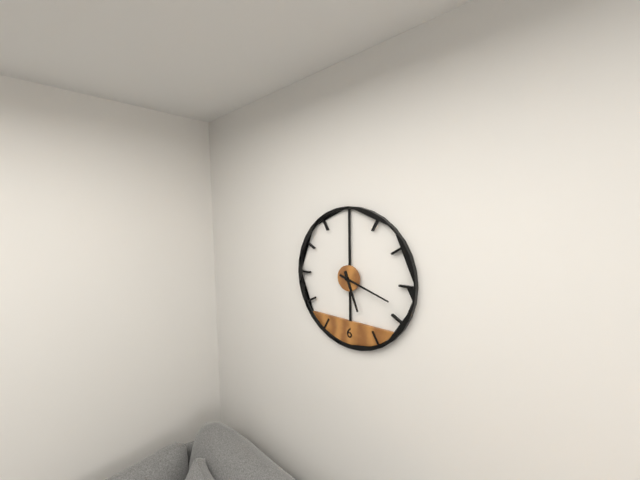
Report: 5 h 18 min
